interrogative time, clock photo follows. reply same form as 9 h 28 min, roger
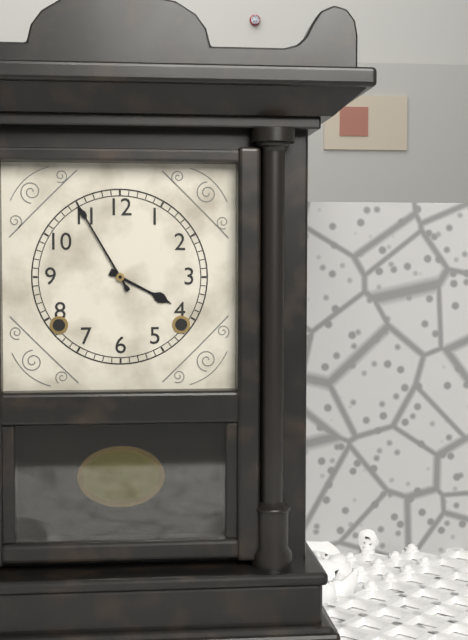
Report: 3 h 55 min
